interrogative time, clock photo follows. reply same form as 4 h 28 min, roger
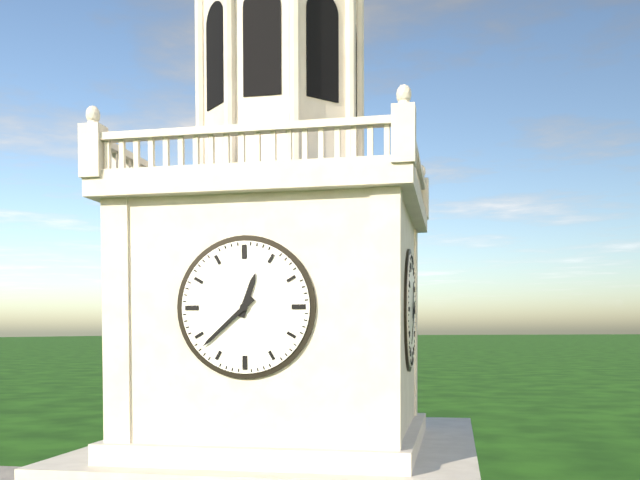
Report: 12 h 38 min
